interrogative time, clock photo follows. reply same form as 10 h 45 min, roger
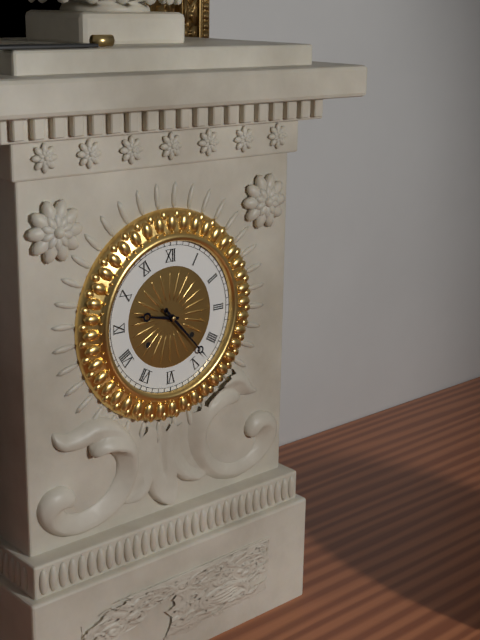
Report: 9 h 23 min
